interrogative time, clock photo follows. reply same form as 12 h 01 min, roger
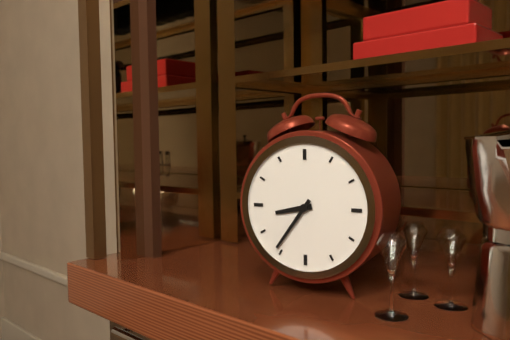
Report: 8 h 36 min
